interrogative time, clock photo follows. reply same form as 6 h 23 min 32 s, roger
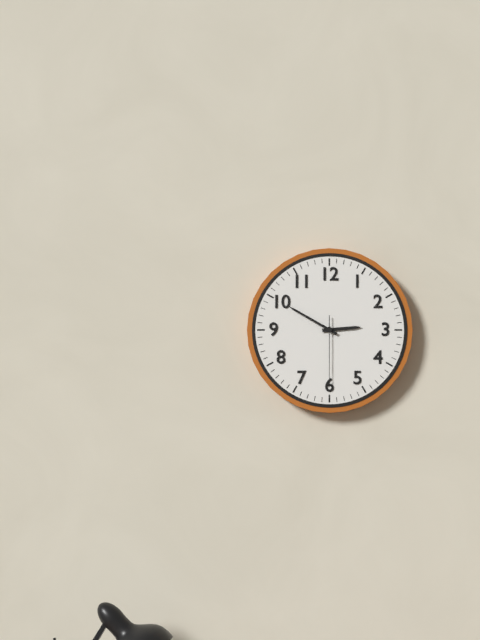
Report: 2 h 50 min 30 s
